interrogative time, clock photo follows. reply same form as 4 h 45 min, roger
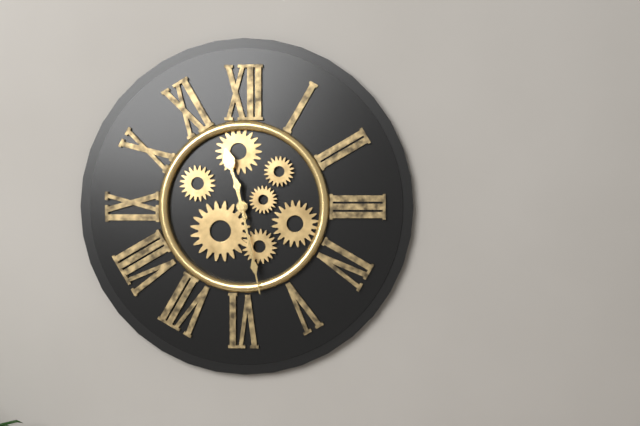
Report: 11 h 28 min
